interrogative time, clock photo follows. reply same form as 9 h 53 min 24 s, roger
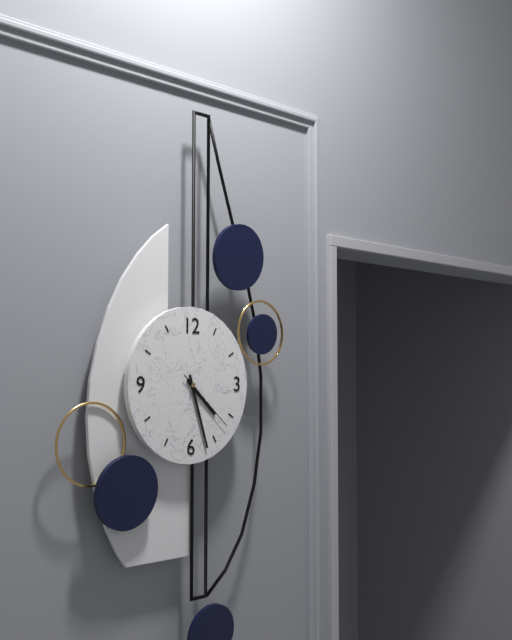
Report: 4 h 27 min 22 s
